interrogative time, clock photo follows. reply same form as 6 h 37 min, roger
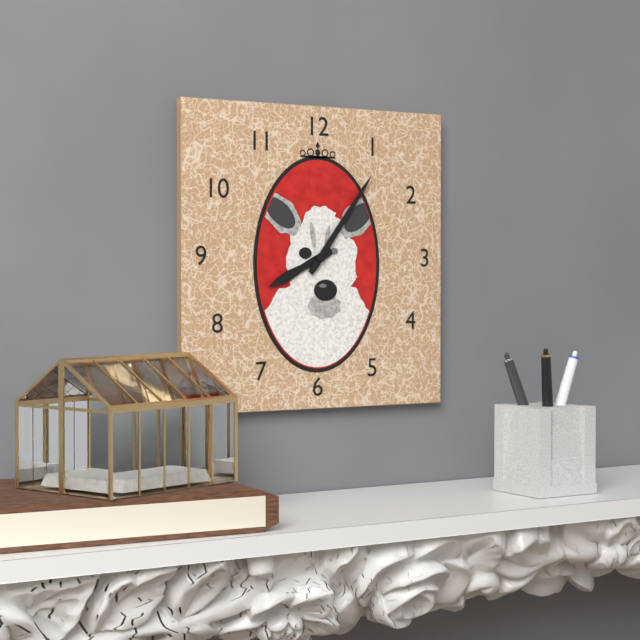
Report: 8 h 06 min
